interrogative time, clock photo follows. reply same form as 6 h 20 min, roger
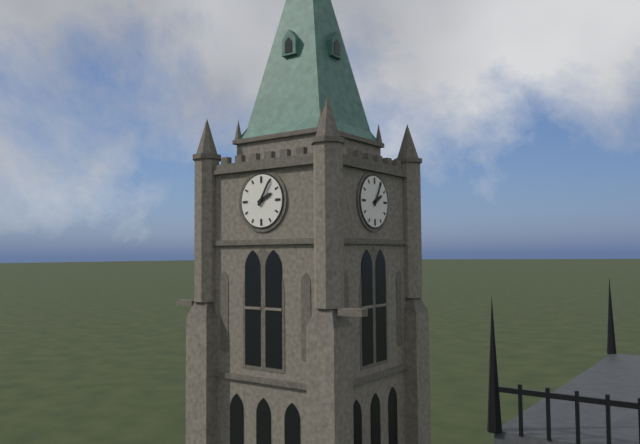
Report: 2 h 05 min
